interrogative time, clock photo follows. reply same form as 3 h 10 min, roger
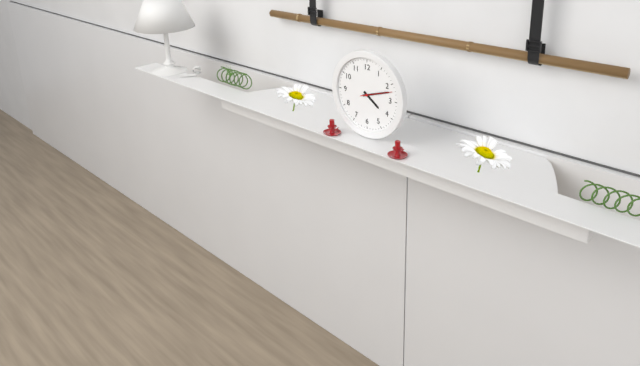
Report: 4 h 12 min
